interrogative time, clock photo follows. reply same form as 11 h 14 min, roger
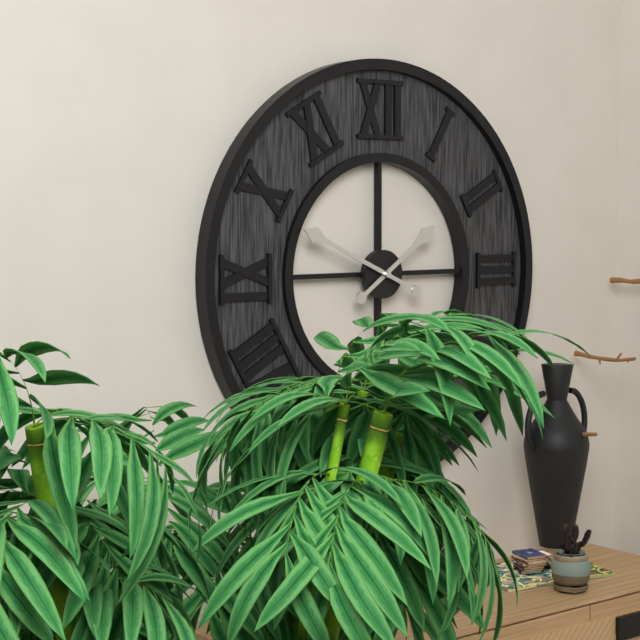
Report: 1 h 49 min
